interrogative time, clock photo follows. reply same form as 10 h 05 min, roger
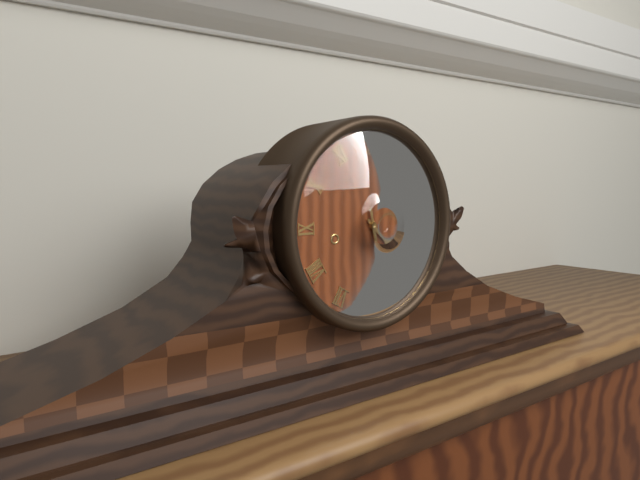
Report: 4 h 28 min
